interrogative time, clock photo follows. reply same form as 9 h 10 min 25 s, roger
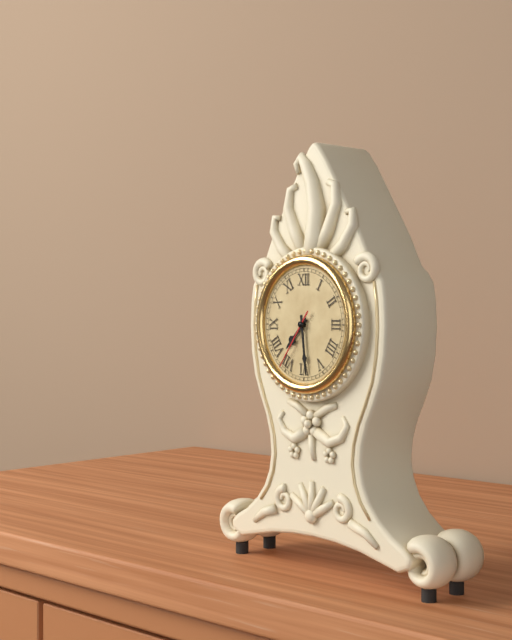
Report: 7 h 29 min 36 s
